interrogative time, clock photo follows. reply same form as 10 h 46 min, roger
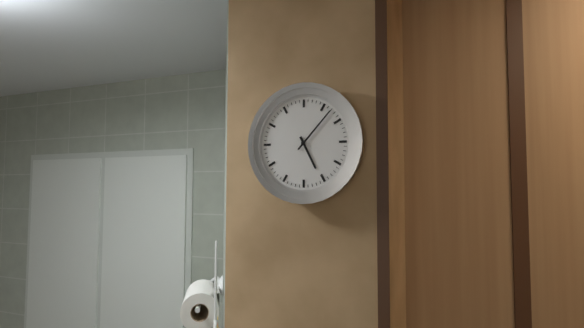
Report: 5 h 07 min
